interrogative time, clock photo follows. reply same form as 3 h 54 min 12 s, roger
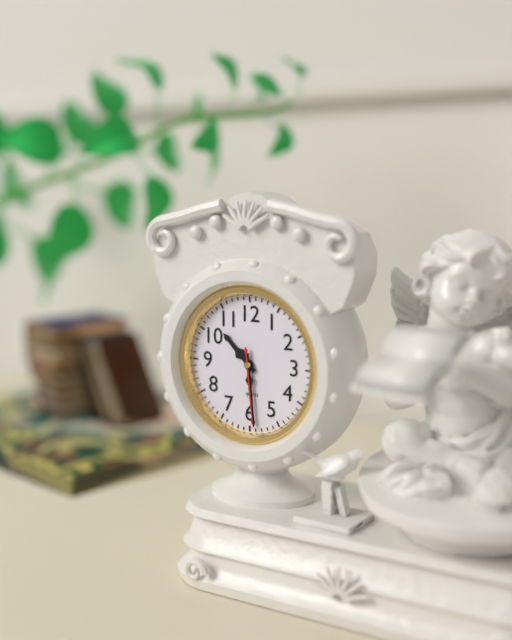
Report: 10 h 29 min 29 s
